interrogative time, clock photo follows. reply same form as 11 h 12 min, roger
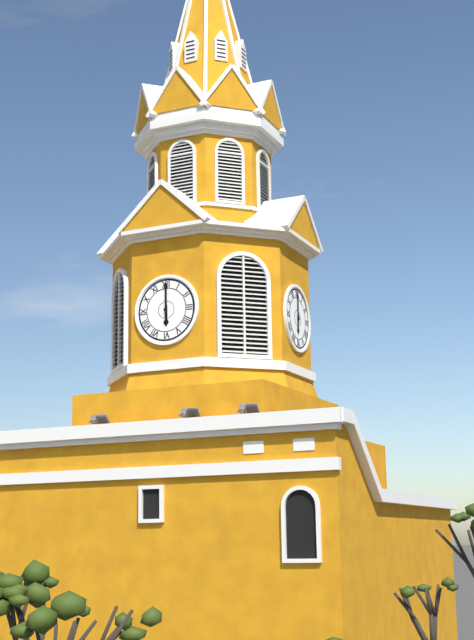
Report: 6 h 00 min
